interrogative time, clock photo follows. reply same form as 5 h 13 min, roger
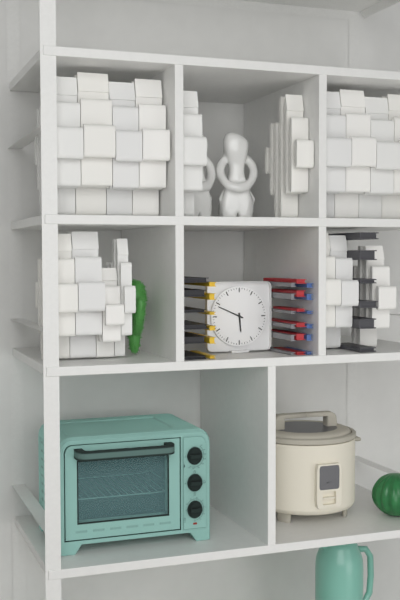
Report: 5 h 49 min
